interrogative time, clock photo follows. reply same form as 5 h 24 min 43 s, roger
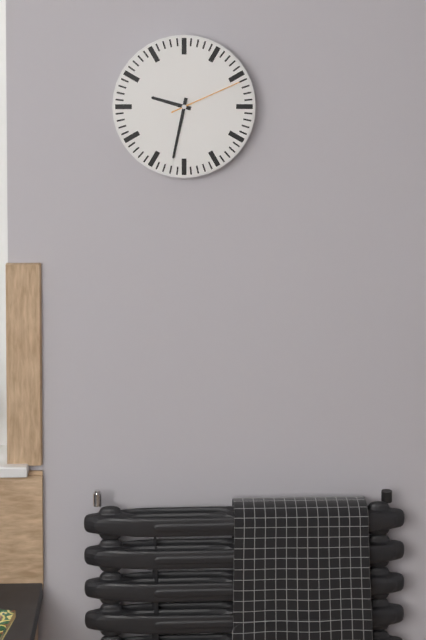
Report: 9 h 32 min 11 s
